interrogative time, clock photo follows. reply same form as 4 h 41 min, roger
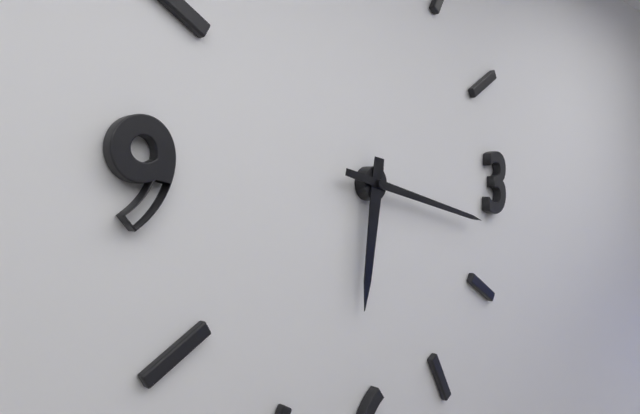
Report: 6 h 17 min
